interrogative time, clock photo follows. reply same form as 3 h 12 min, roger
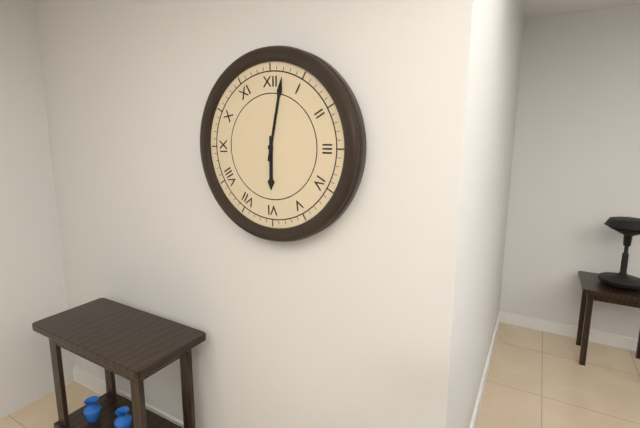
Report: 6 h 02 min
